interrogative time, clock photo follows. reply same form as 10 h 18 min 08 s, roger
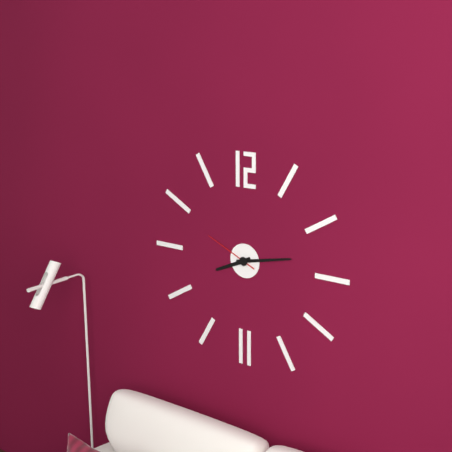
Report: 8 h 13 min 49 s
